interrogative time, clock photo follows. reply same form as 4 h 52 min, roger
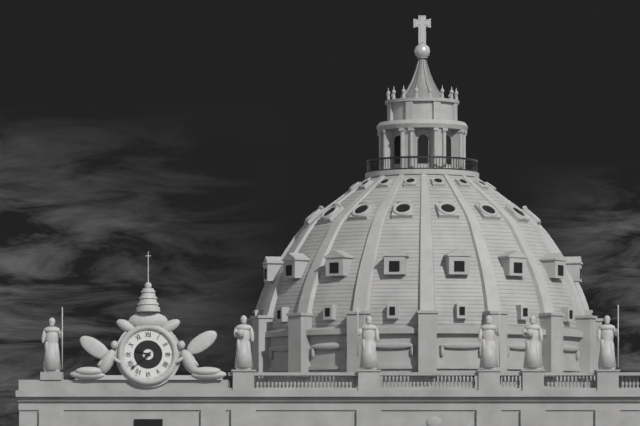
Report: 9 h 38 min
